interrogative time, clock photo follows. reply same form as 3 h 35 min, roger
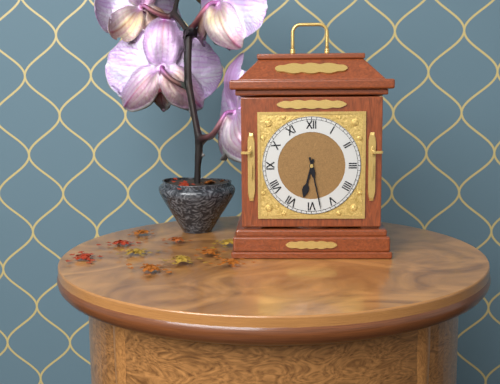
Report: 6 h 28 min
